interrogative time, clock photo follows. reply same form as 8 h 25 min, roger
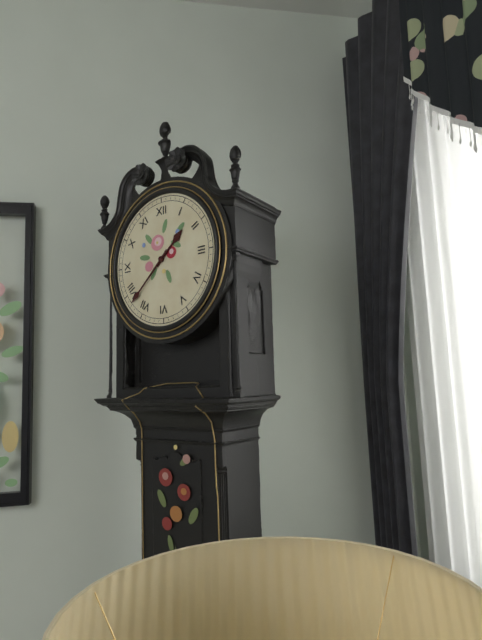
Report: 1 h 38 min
